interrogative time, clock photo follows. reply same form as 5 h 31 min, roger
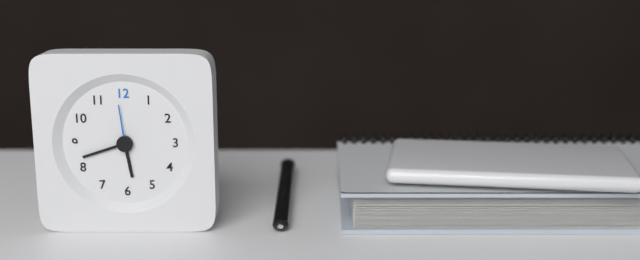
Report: 5 h 42 min
